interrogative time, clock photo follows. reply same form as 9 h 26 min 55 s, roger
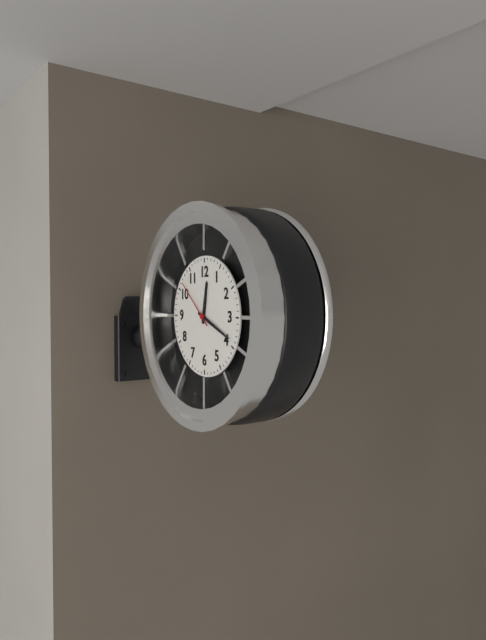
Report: 12 h 19 min 52 s
